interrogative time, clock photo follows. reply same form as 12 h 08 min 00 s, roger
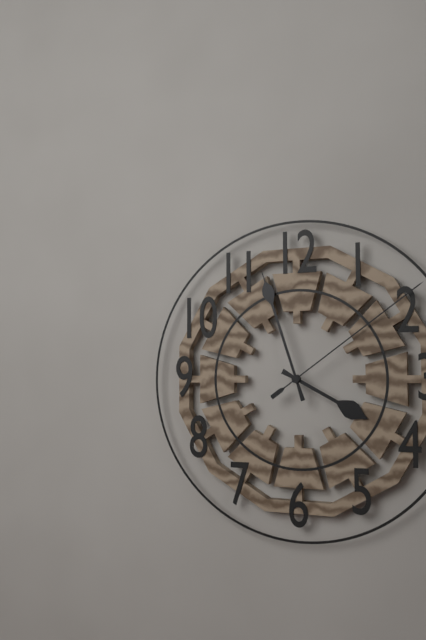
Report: 3 h 57 min 09 s
